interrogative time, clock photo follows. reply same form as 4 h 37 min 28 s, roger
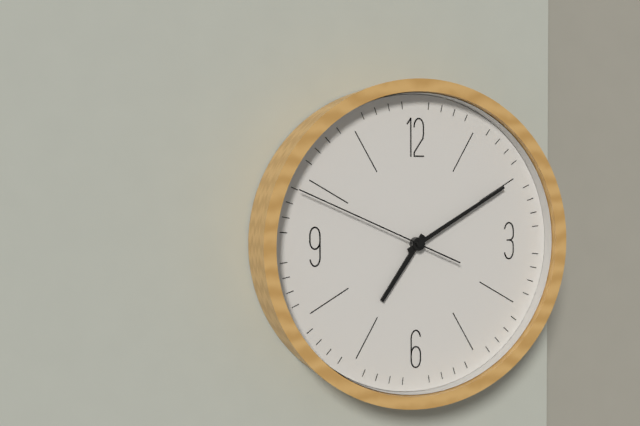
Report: 7 h 10 min 49 s
